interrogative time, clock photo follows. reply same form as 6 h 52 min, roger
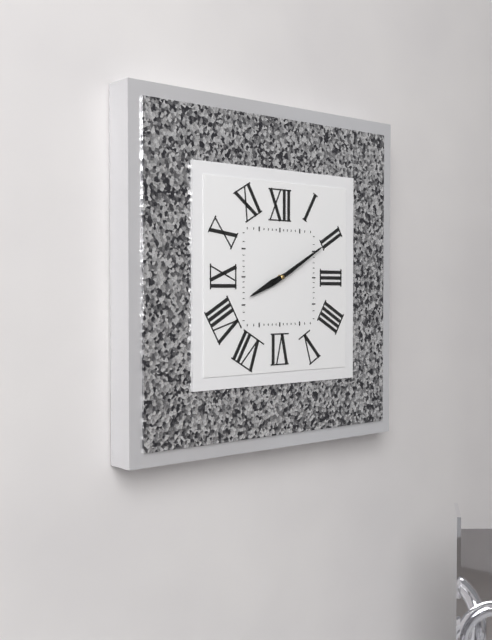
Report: 8 h 10 min
